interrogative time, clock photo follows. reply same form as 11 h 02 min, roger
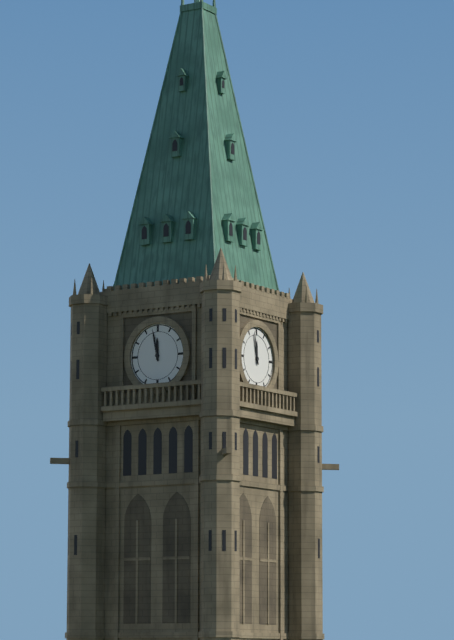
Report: 11 h 58 min
